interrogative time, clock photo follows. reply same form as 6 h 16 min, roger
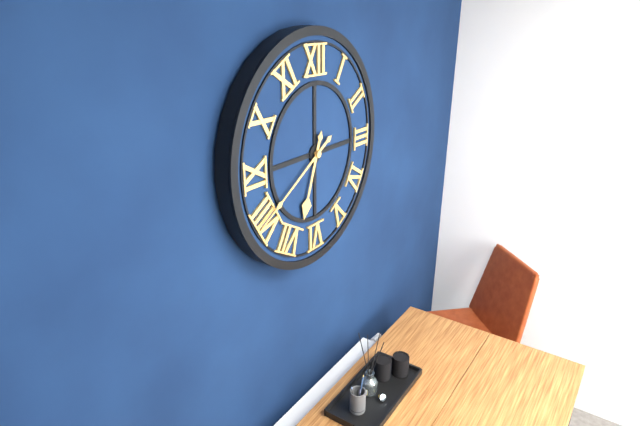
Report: 6 h 40 min
